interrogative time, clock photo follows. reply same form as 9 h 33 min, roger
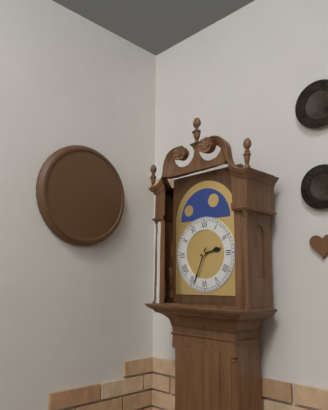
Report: 2 h 34 min
